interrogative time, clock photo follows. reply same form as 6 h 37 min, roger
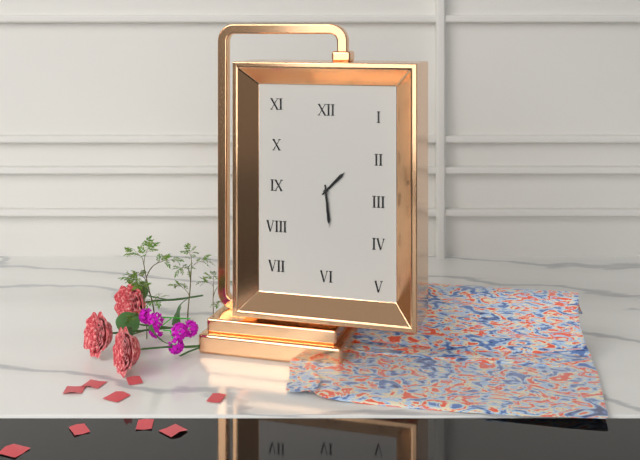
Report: 1 h 29 min
